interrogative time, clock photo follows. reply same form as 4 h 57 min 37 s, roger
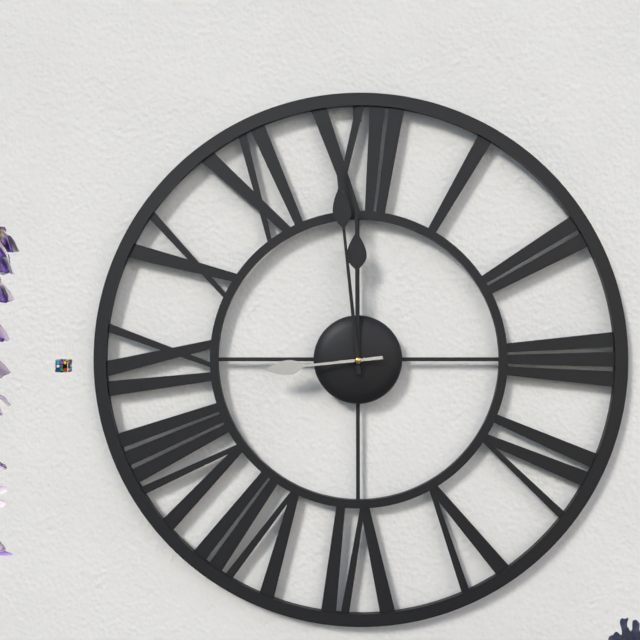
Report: 11 h 59 min 44 s
